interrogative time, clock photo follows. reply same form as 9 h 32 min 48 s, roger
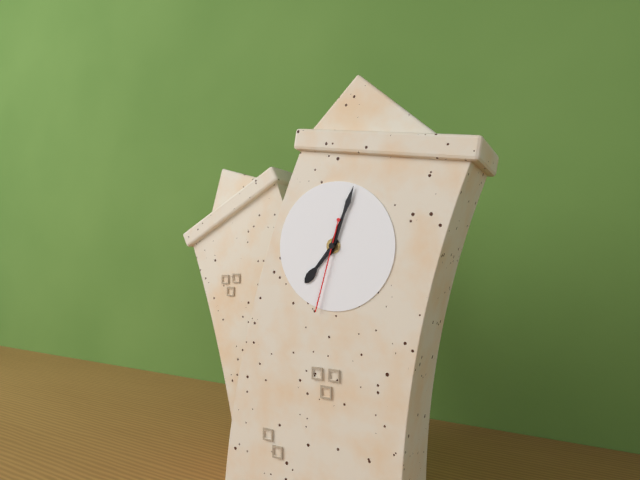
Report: 7 h 02 min 31 s
